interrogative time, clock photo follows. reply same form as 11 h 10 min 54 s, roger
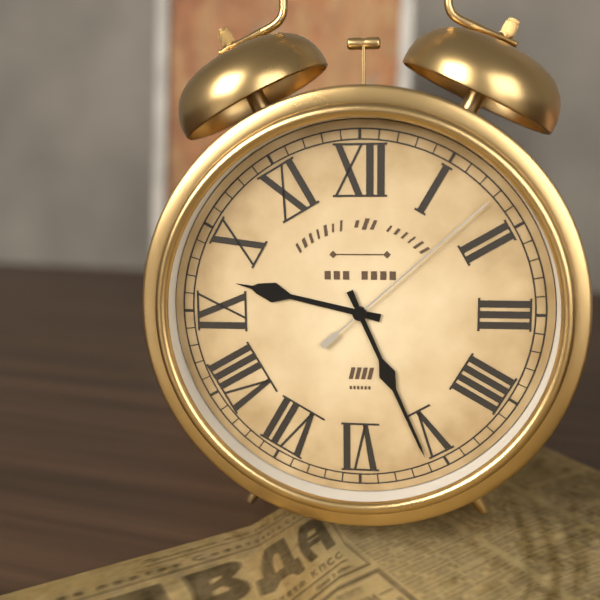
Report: 9 h 26 min 08 s
